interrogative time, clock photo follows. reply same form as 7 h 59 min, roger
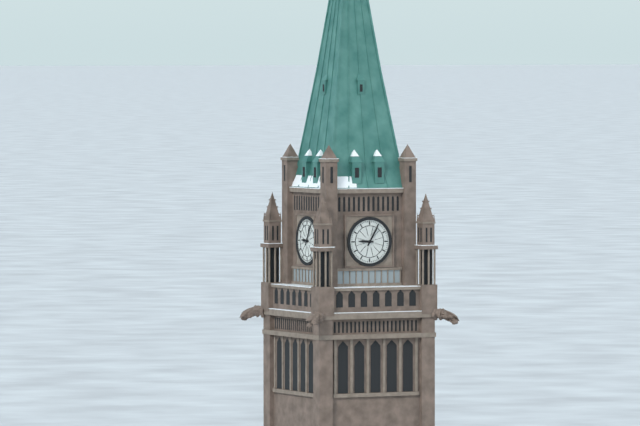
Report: 9 h 05 min
